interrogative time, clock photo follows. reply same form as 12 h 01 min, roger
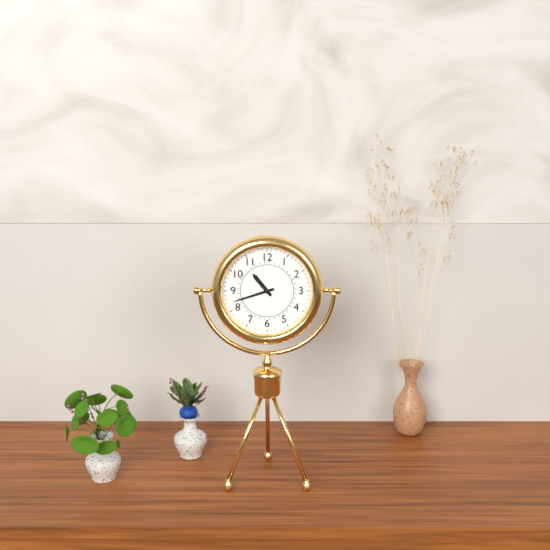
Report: 10 h 42 min
